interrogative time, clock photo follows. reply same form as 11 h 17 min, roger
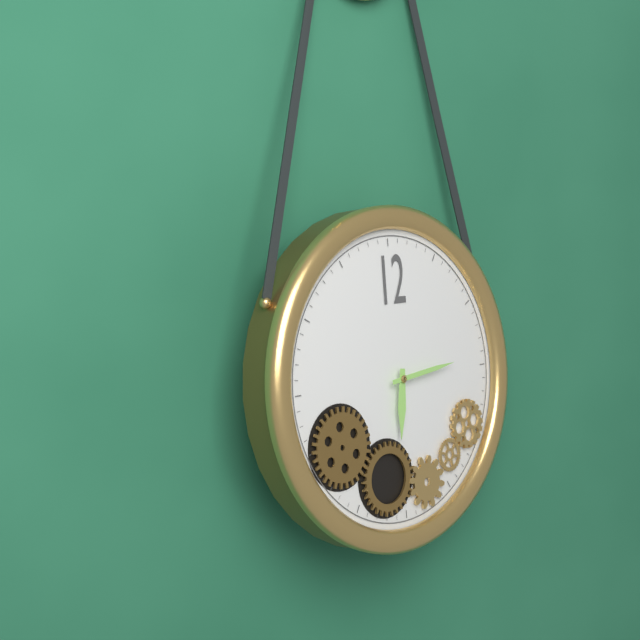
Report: 6 h 14 min
